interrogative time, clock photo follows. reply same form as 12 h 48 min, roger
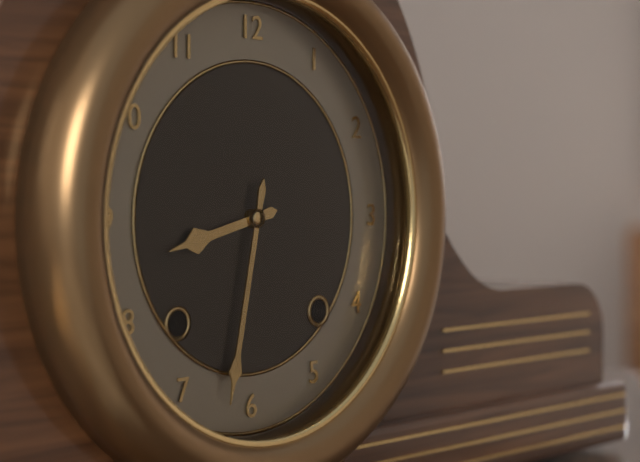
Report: 8 h 32 min
